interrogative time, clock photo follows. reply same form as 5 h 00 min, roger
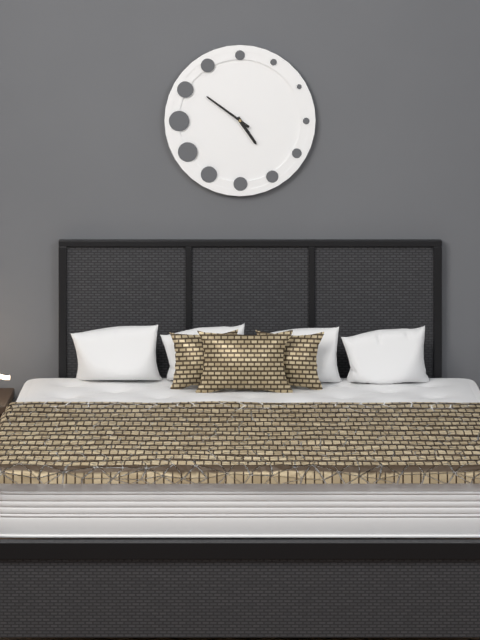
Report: 4 h 51 min
